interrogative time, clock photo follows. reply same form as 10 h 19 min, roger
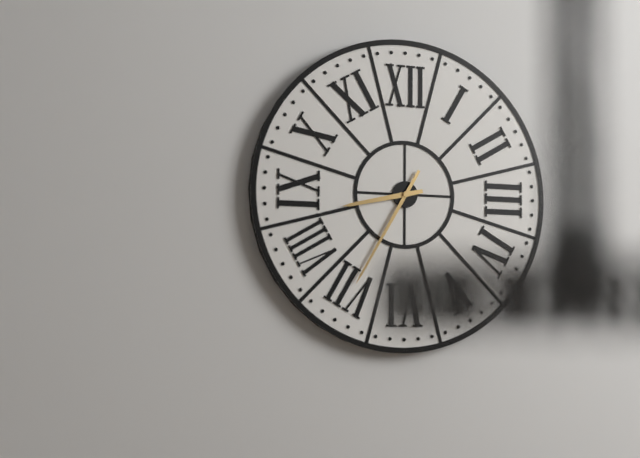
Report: 8 h 35 min
